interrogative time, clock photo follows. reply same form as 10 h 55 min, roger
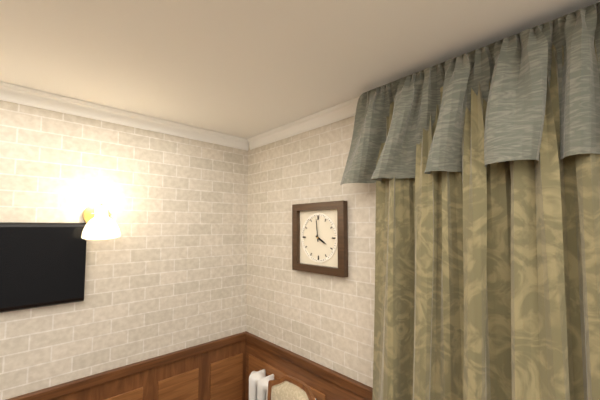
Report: 3 h 59 min
